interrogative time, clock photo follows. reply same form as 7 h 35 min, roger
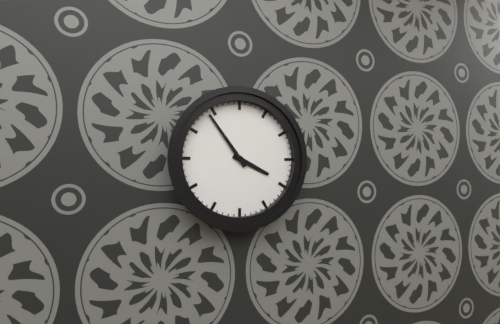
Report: 3 h 54 min
